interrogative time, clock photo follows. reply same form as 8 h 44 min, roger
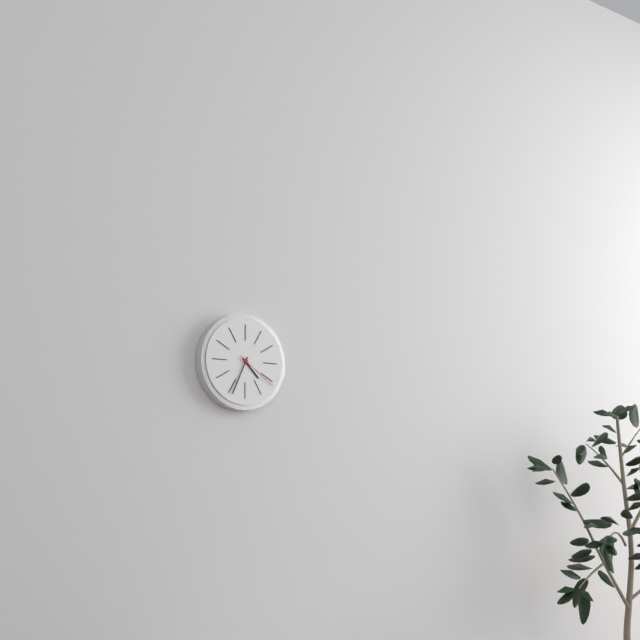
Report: 4 h 34 min
